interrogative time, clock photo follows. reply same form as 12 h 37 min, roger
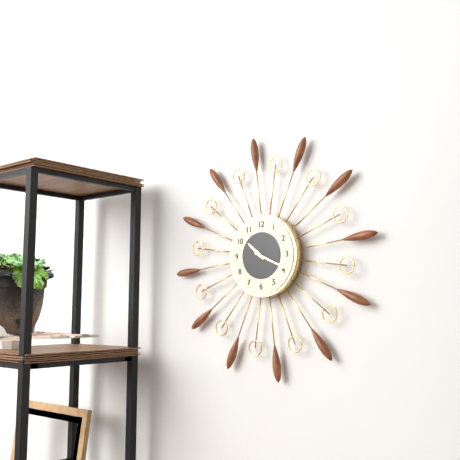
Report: 10 h 19 min
